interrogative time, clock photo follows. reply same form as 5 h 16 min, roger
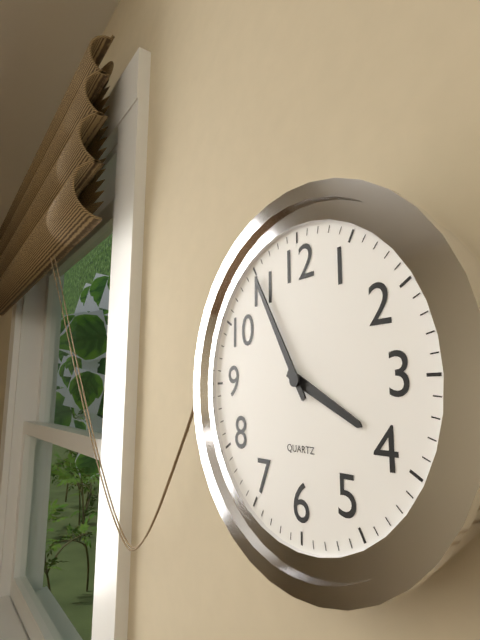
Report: 3 h 55 min
